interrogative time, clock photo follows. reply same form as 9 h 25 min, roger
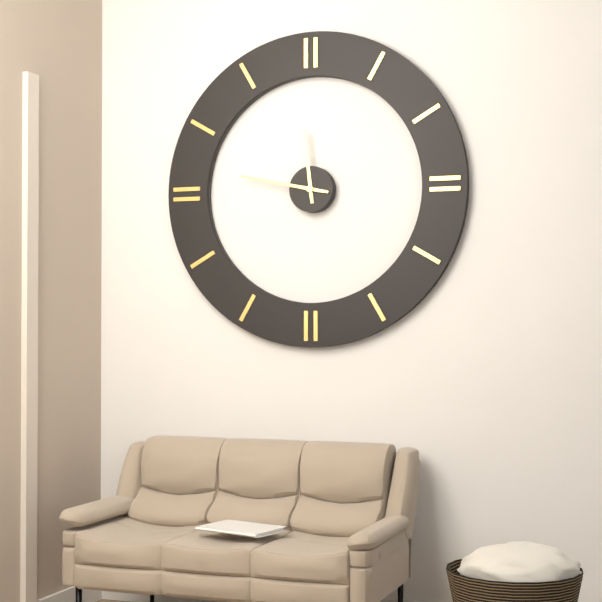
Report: 11 h 47 min
